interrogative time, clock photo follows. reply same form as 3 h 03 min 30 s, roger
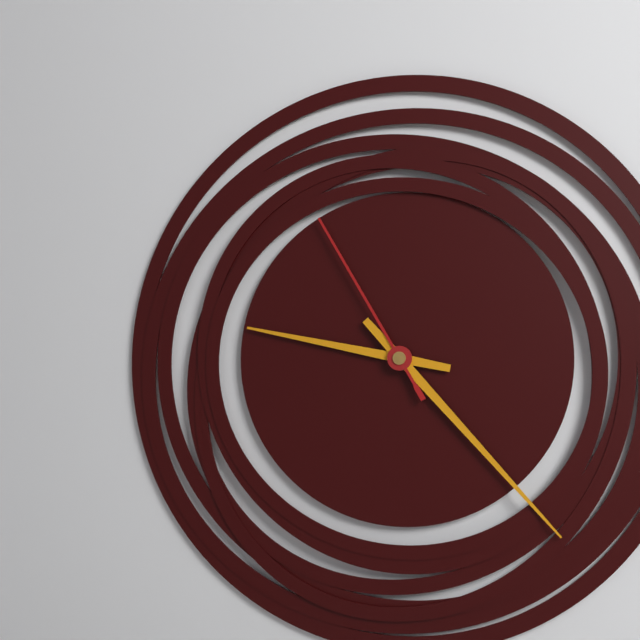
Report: 9 h 23 min 55 s
